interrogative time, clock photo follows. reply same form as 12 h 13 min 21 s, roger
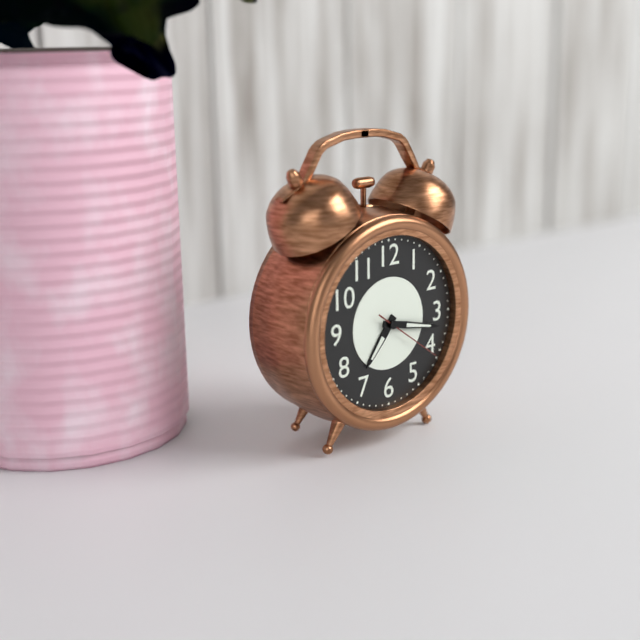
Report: 7 h 17 min 21 s
